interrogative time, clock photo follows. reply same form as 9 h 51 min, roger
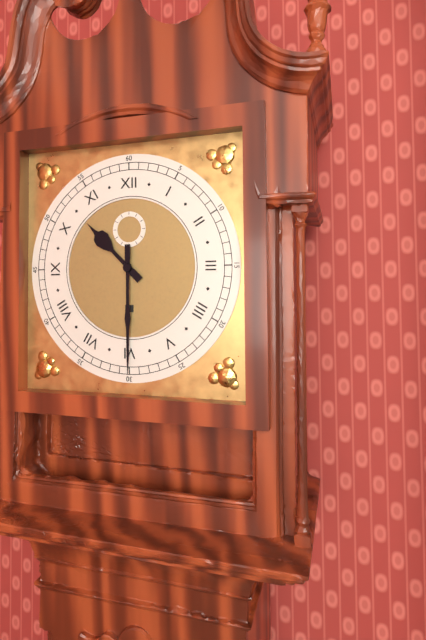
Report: 10 h 30 min
